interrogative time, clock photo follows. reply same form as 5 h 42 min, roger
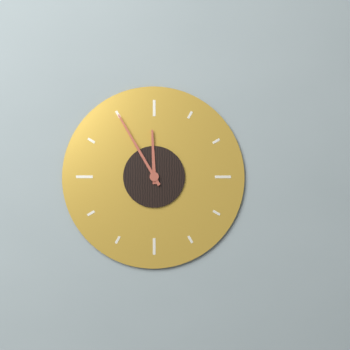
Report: 11 h 55 min
